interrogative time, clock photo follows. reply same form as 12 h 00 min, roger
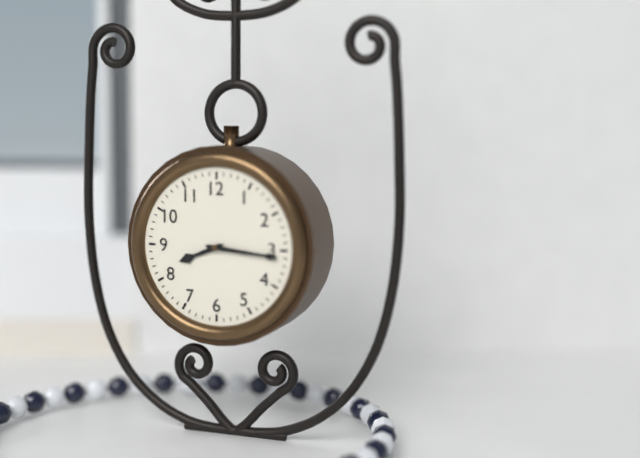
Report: 8 h 16 min
